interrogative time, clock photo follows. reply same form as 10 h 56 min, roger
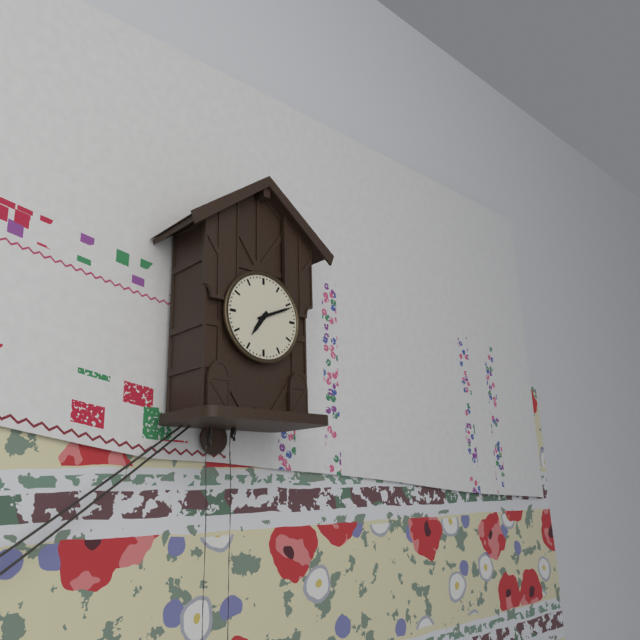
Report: 7 h 11 min
